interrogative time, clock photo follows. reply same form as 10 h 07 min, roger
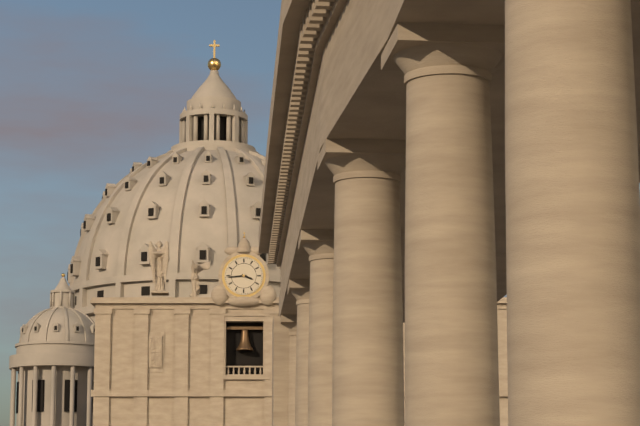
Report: 3 h 44 min
